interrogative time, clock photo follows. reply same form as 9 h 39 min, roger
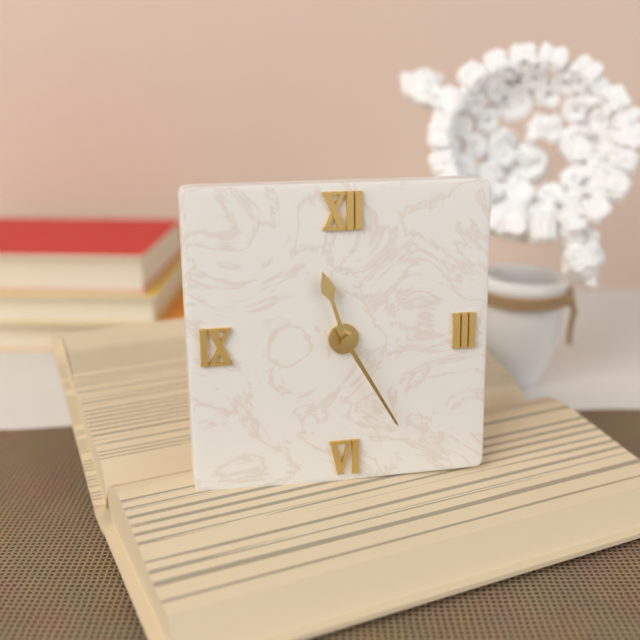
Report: 11 h 25 min
